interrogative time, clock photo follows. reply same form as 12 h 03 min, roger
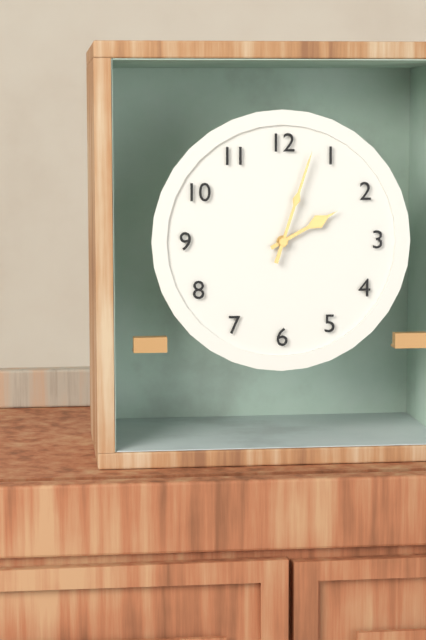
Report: 2 h 03 min
